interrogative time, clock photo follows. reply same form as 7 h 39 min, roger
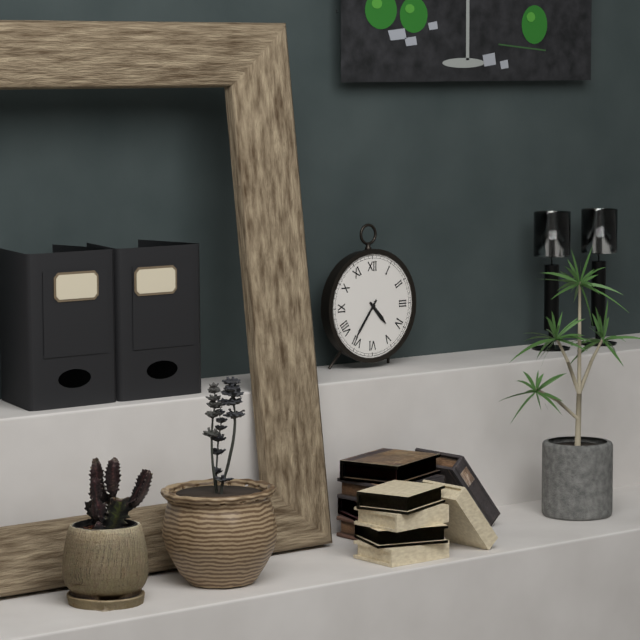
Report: 4 h 36 min
